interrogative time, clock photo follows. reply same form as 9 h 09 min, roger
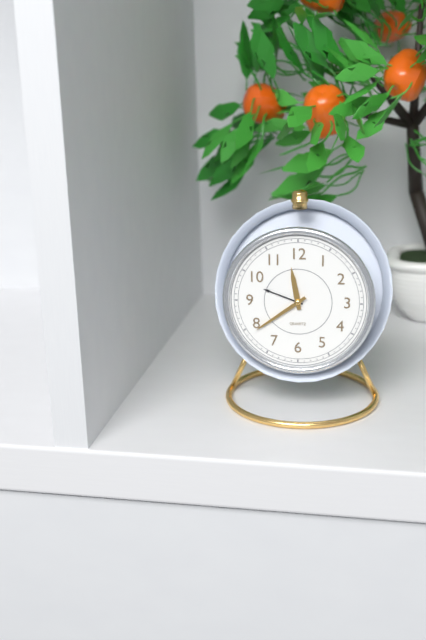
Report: 11 h 39 min
